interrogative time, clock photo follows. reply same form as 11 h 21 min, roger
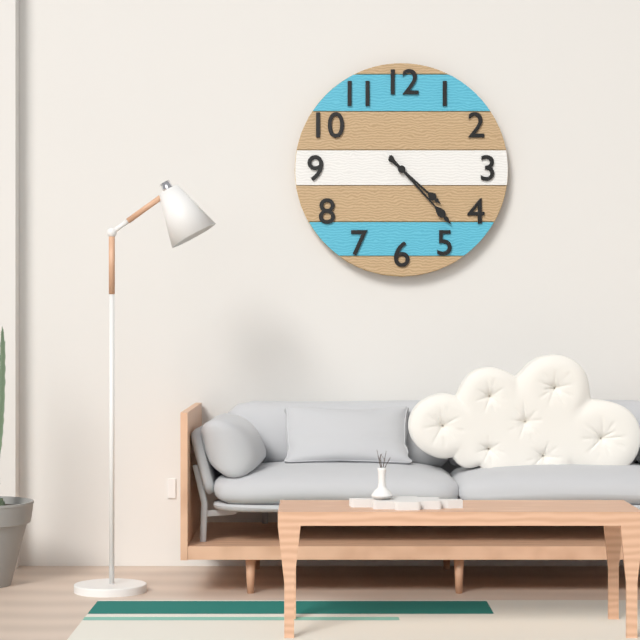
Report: 4 h 23 min
